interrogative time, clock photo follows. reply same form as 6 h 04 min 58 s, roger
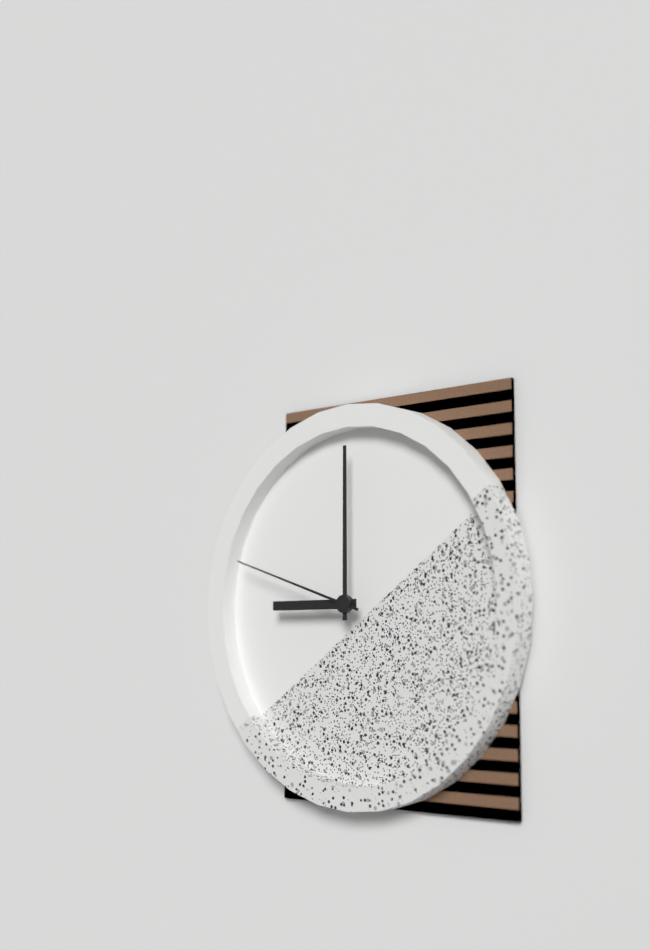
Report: 9 h 00 min 48 s
